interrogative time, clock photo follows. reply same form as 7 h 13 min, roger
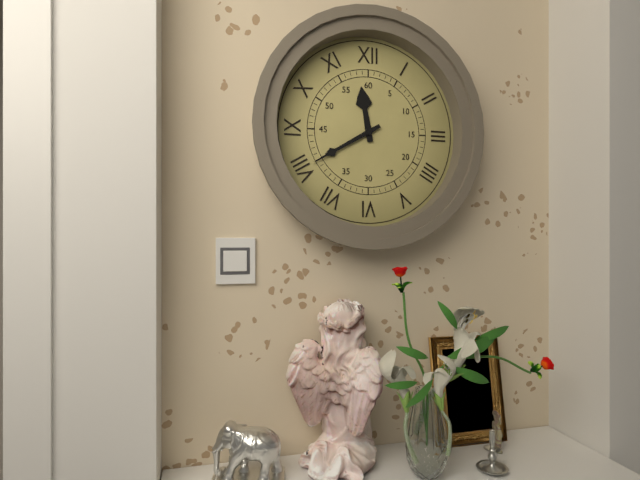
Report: 11 h 40 min
